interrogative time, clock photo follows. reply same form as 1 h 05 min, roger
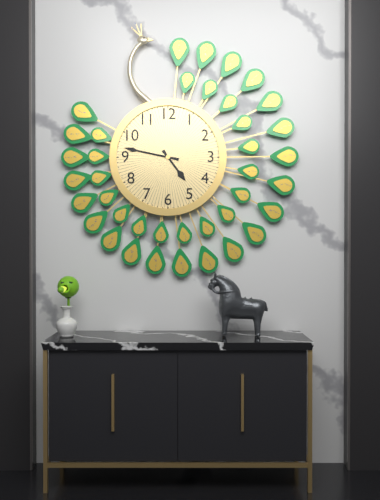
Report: 4 h 47 min
